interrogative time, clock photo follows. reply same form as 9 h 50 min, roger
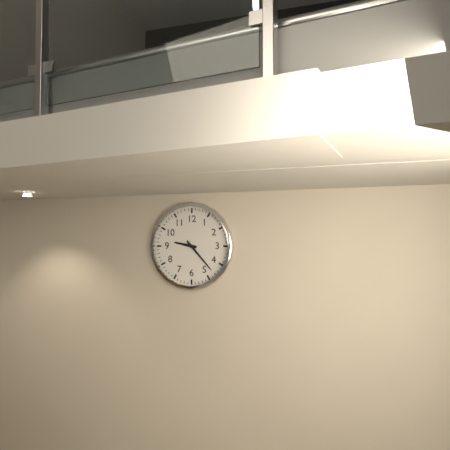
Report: 9 h 23 min
